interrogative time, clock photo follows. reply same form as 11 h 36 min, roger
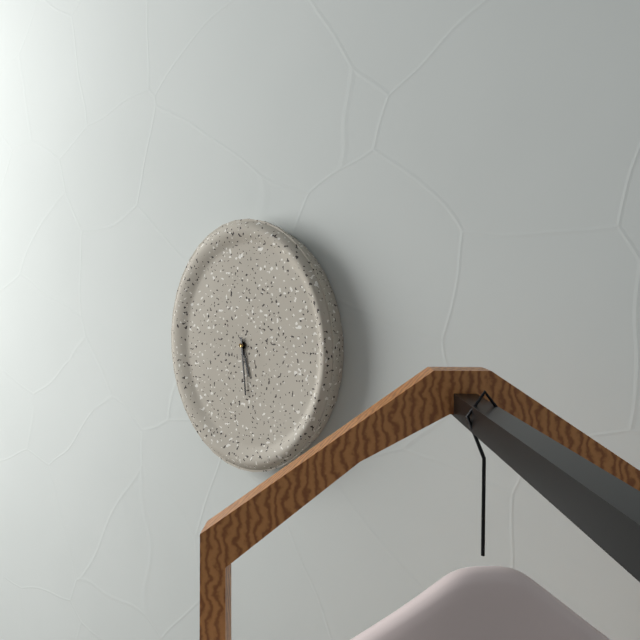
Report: 5 h 29 min
